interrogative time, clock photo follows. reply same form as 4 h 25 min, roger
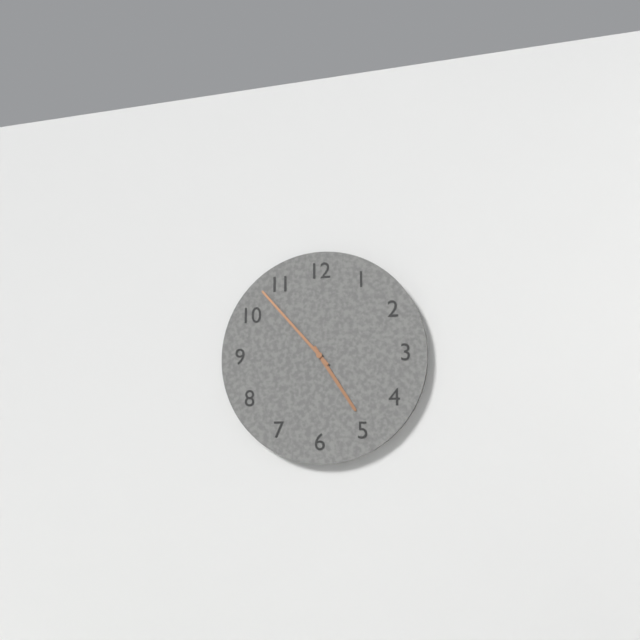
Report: 4 h 53 min
